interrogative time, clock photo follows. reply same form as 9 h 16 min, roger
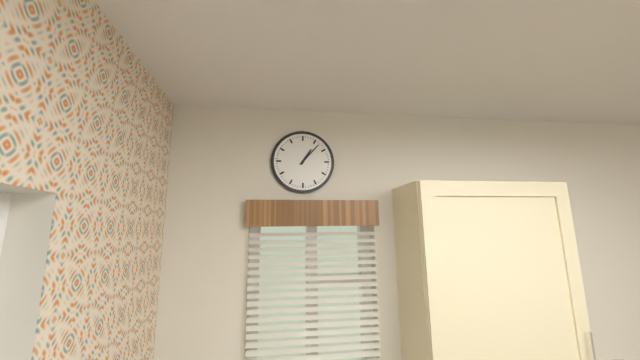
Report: 1 h 07 min
